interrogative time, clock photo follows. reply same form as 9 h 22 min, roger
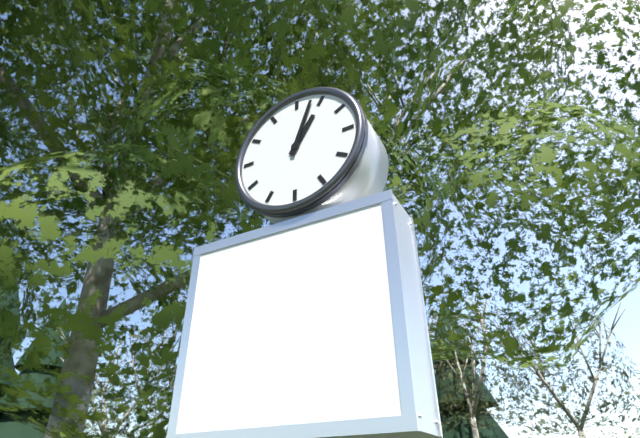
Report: 1 h 03 min
